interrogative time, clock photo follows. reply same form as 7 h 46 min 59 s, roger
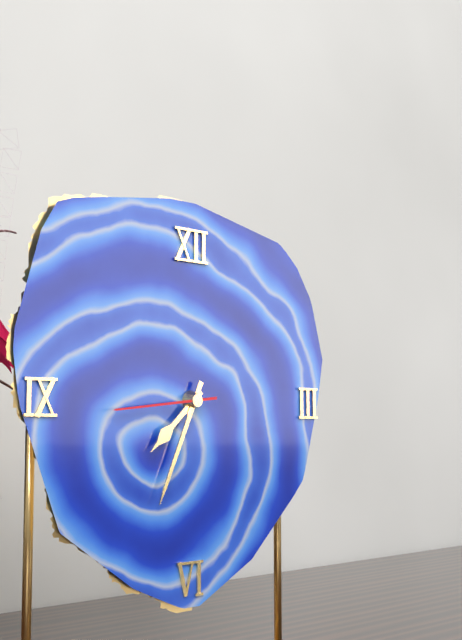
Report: 7 h 34 min 44 s
